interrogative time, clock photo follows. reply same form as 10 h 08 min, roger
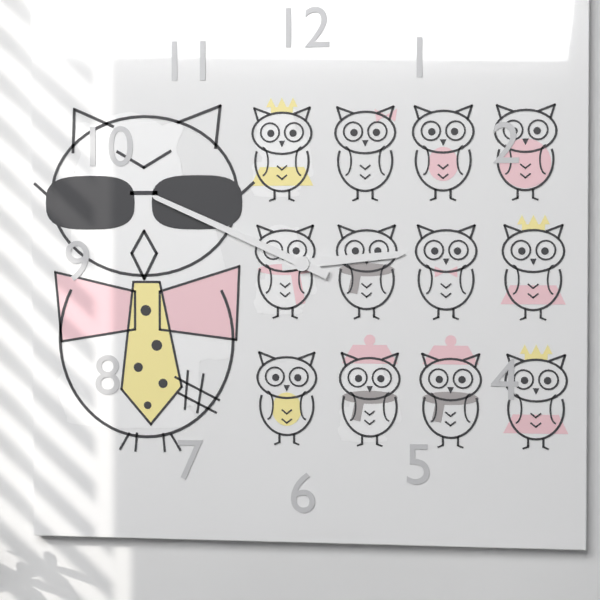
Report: 2 h 49 min
